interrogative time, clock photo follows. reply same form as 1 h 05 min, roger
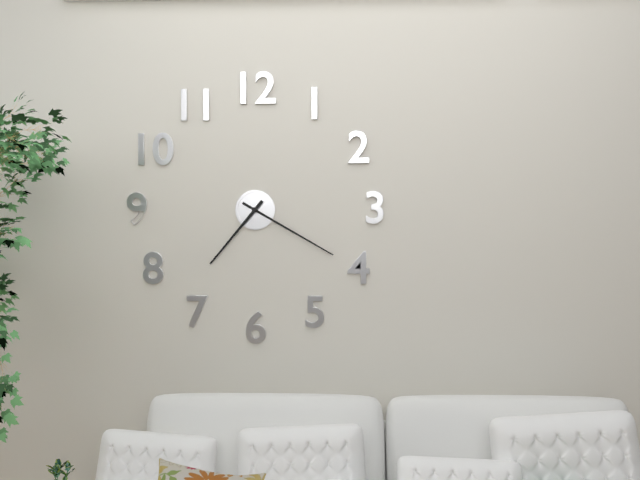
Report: 7 h 20 min
